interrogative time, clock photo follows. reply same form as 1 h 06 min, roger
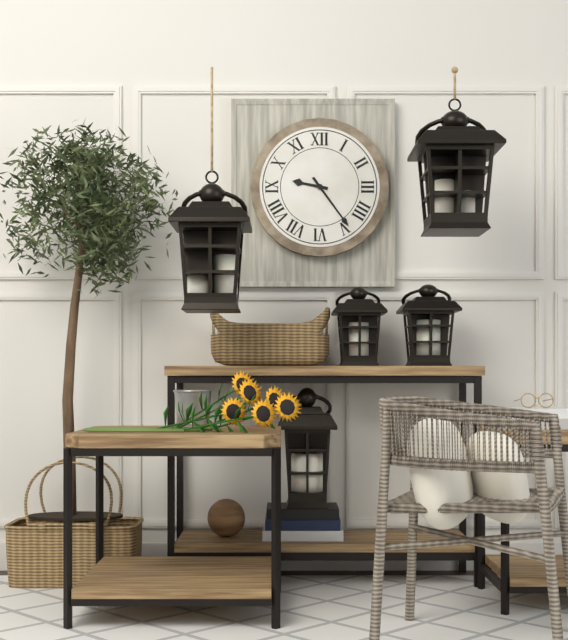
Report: 9 h 24 min
